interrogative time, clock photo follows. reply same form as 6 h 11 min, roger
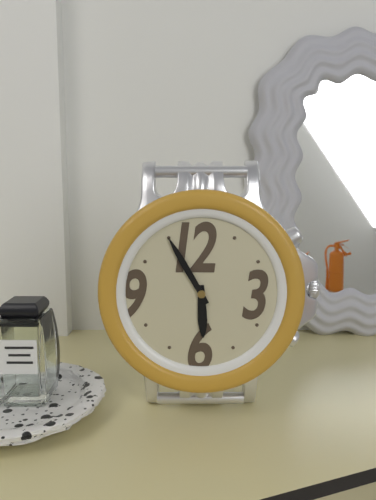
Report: 5 h 55 min
